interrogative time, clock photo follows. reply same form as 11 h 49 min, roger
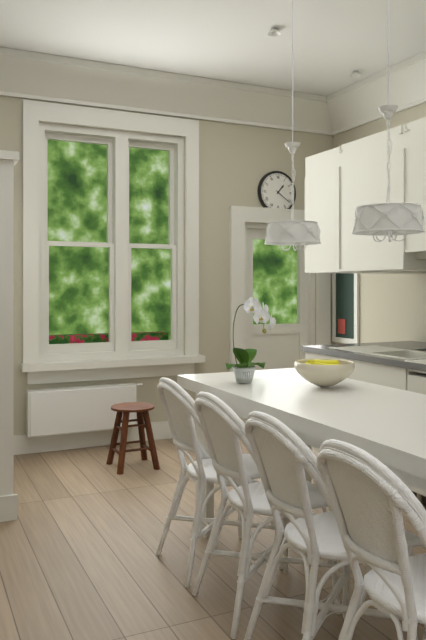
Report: 1 h 21 min
